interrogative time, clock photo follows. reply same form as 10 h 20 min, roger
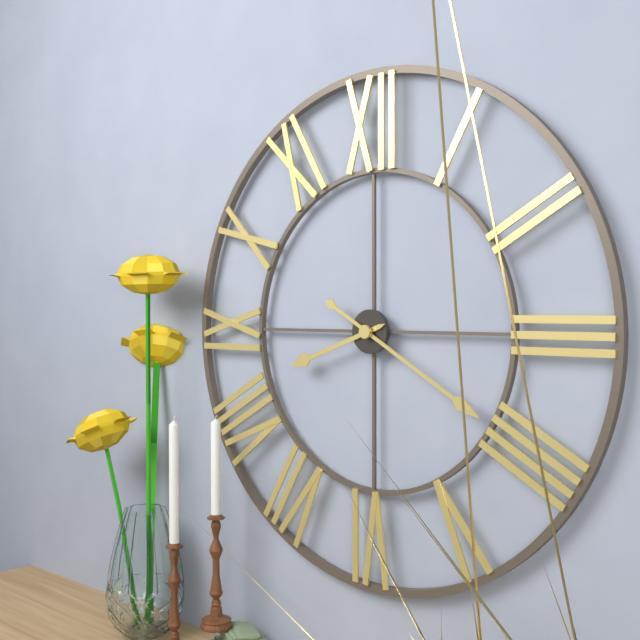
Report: 8 h 20 min
